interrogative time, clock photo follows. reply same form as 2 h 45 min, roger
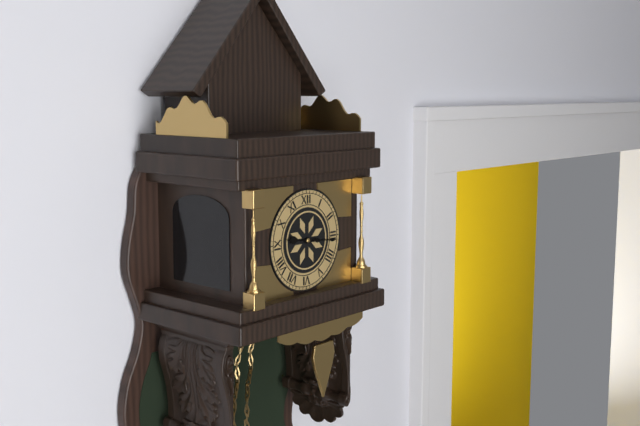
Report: 9 h 16 min
